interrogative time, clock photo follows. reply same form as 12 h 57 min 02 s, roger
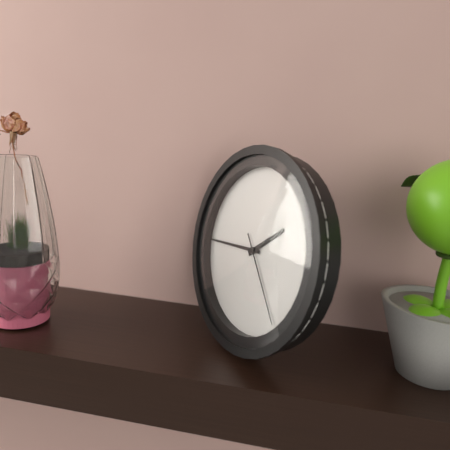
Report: 1 h 44 min 23 s
